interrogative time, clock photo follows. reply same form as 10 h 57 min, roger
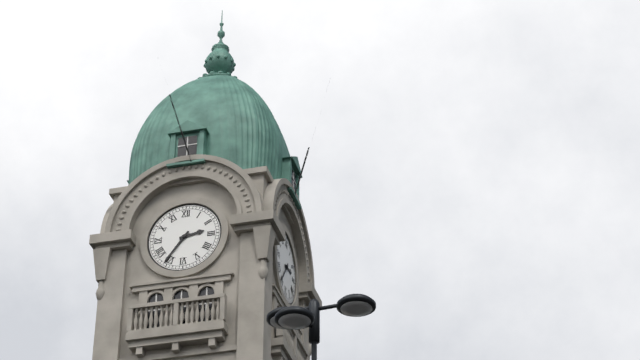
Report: 2 h 36 min
